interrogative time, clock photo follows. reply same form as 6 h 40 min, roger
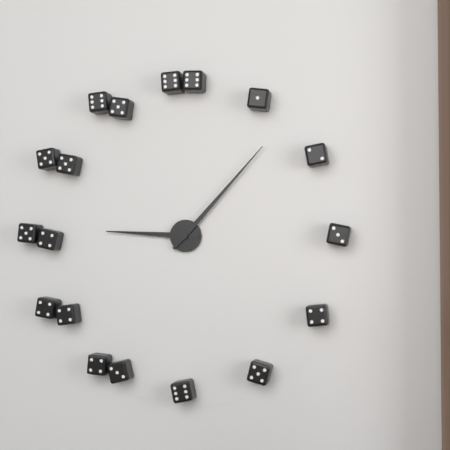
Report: 9 h 07 min
